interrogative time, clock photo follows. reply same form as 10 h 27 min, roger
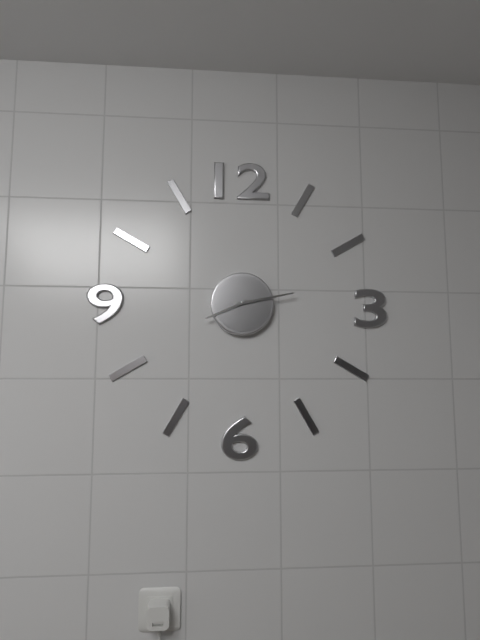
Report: 8 h 13 min
